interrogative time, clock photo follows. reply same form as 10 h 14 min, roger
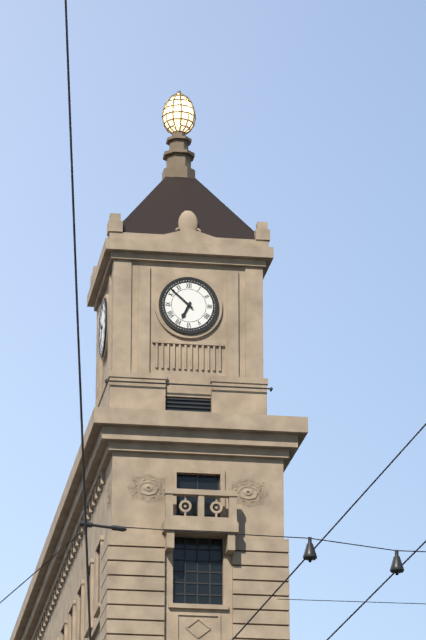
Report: 6 h 52 min
